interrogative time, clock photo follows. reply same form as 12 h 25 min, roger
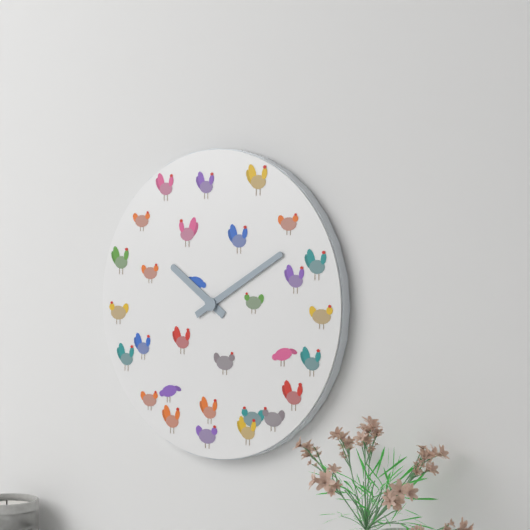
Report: 10 h 10 min
